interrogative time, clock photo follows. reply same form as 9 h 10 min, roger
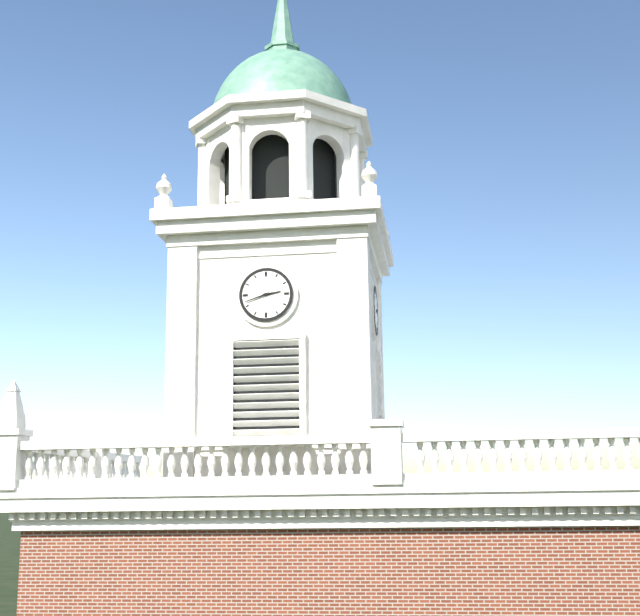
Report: 2 h 42 min
